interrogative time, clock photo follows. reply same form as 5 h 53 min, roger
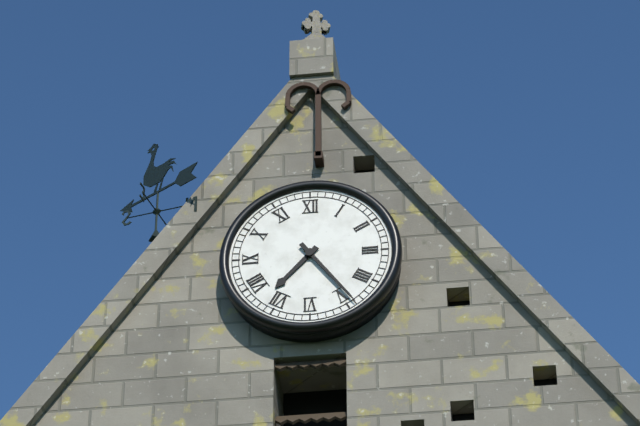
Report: 7 h 24 min
